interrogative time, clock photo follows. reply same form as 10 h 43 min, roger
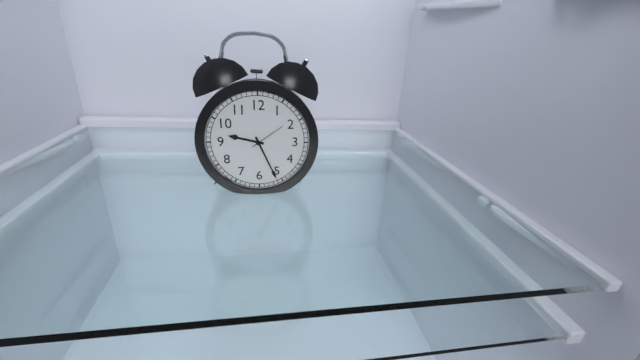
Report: 9 h 26 min
